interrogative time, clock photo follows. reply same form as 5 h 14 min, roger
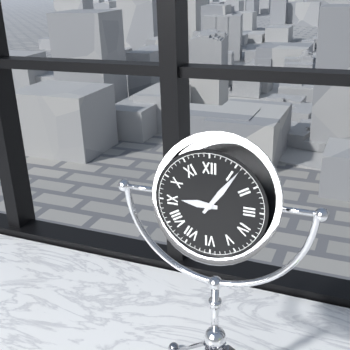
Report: 9 h 06 min
